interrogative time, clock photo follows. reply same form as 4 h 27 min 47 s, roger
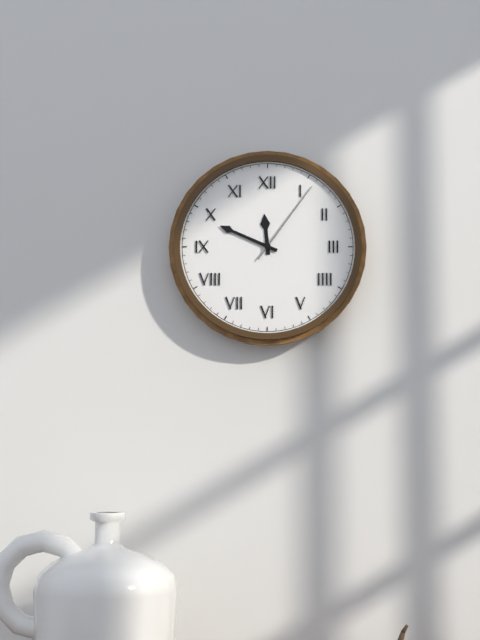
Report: 11 h 49 min 06 s
